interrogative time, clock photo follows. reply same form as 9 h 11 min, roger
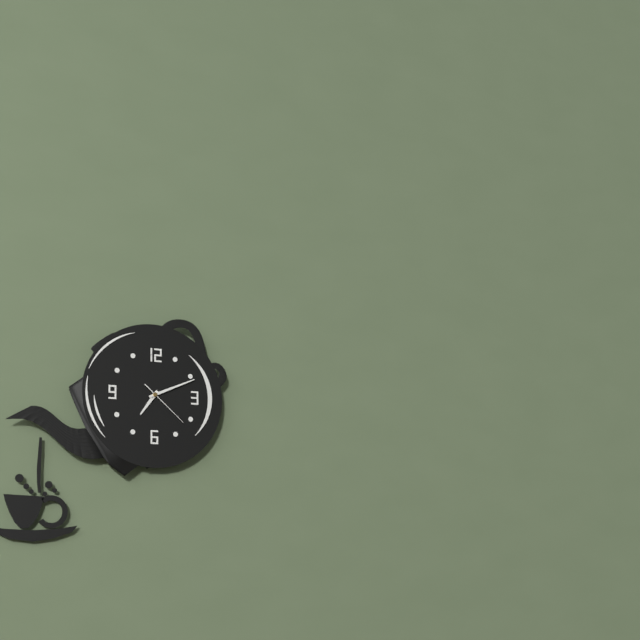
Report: 7 h 11 min
